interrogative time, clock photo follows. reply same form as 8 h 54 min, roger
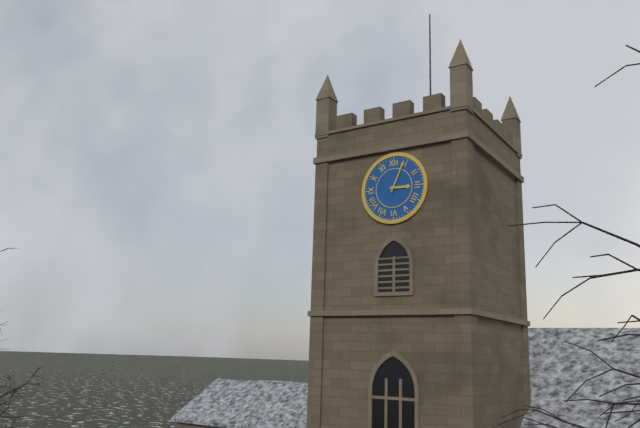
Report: 3 h 04 min
